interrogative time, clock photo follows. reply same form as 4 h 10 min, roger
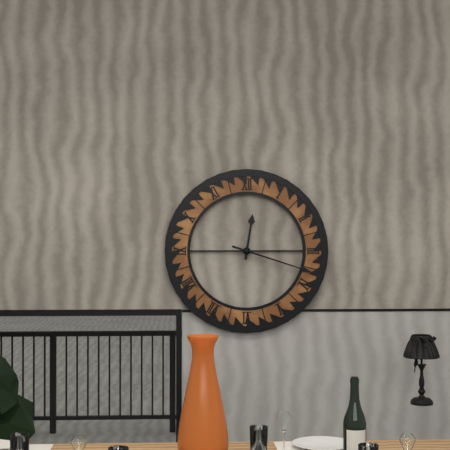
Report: 12 h 18 min
